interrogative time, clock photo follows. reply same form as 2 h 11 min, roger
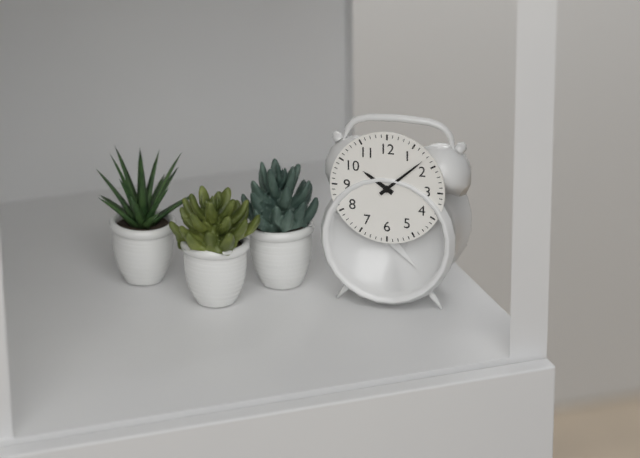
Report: 10 h 08 min
